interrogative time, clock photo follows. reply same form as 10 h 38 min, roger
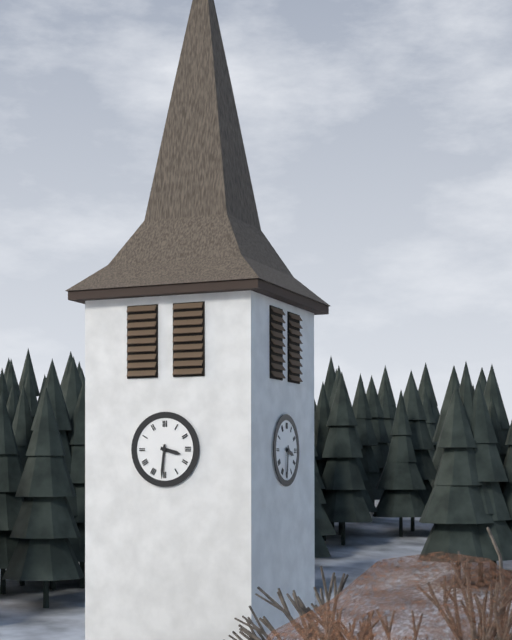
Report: 3 h 31 min
